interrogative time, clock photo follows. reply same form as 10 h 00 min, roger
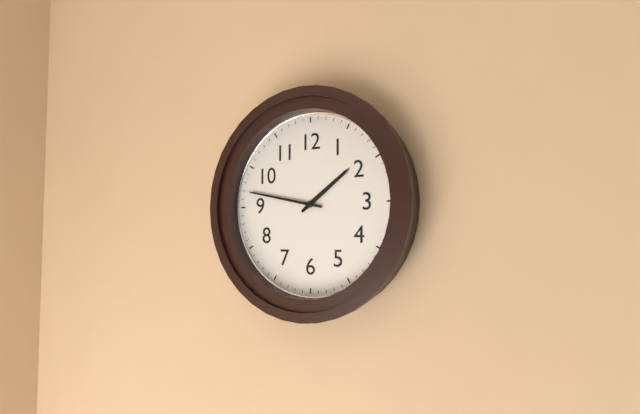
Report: 1 h 47 min
